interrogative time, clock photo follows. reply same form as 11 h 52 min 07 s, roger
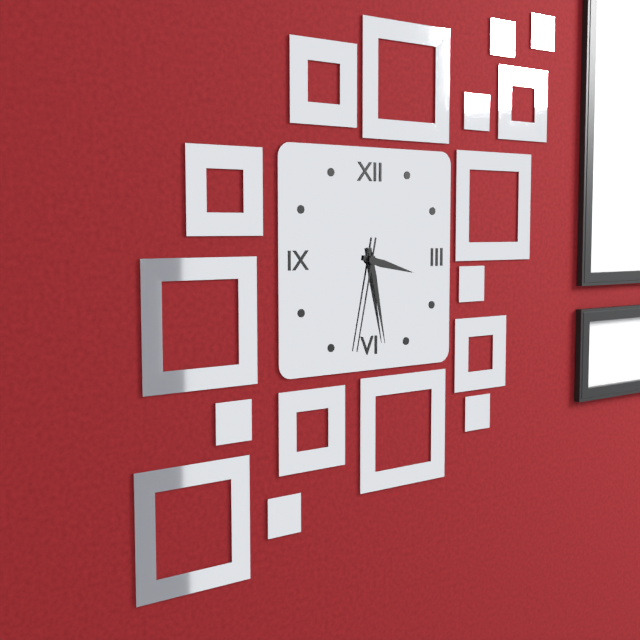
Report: 3 h 28 min 32 s
